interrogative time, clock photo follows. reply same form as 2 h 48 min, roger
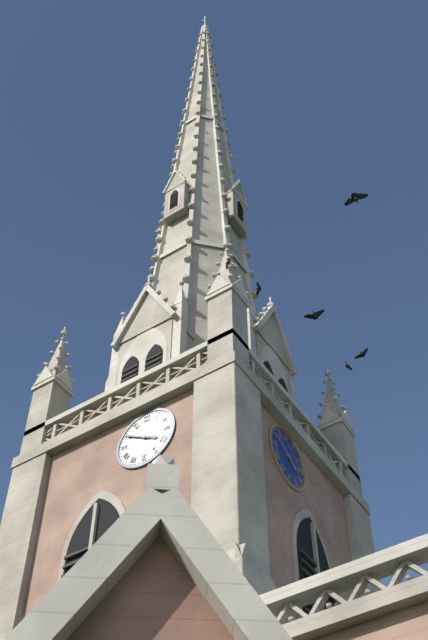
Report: 3 h 50 min
